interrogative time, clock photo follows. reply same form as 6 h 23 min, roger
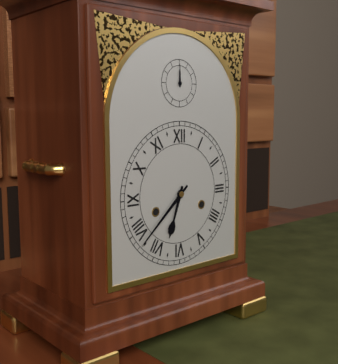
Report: 6 h 38 min
